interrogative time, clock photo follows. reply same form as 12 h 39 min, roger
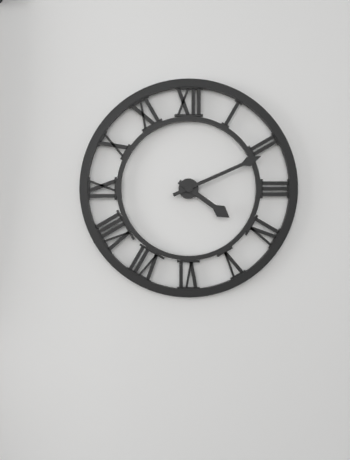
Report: 4 h 11 min
